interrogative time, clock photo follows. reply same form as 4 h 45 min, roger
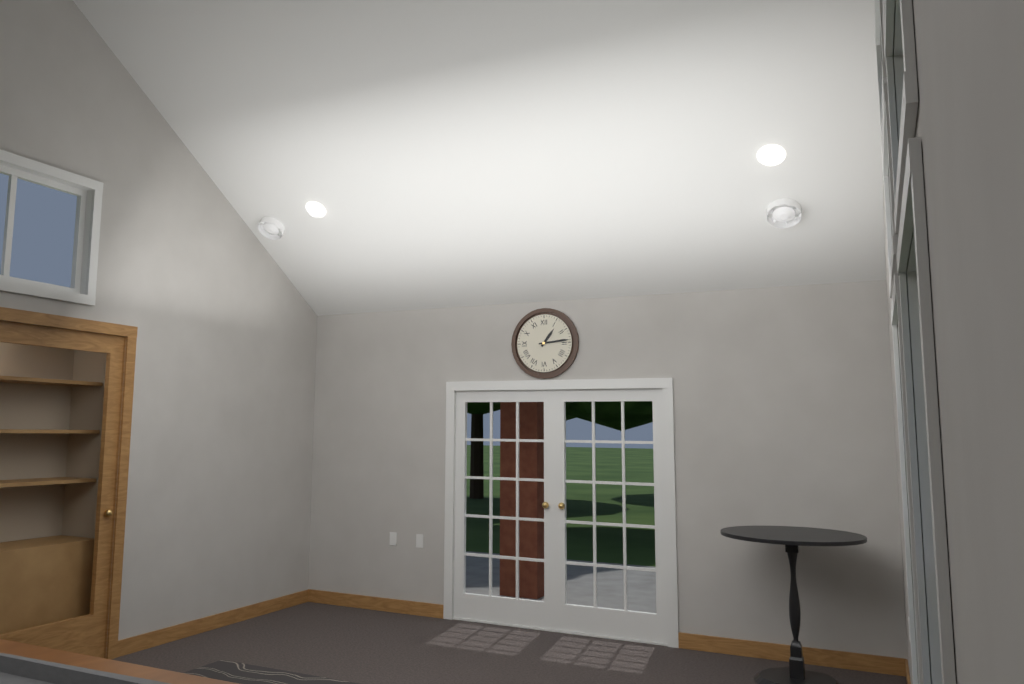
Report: 1 h 14 min
